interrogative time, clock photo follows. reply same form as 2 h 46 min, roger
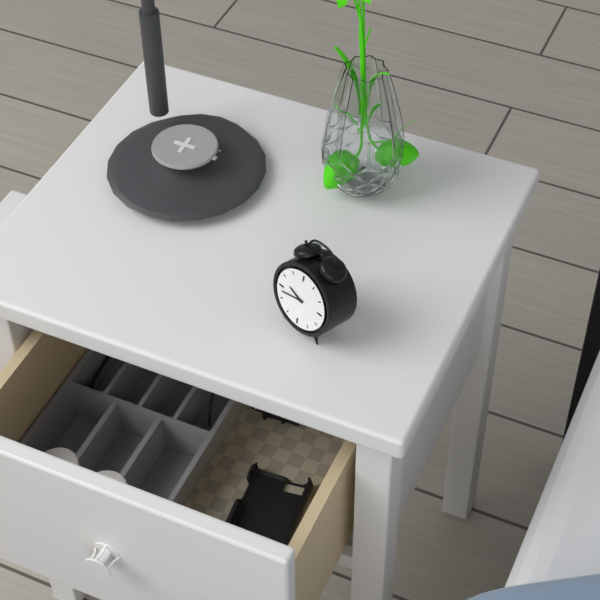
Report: 9 h 43 min
